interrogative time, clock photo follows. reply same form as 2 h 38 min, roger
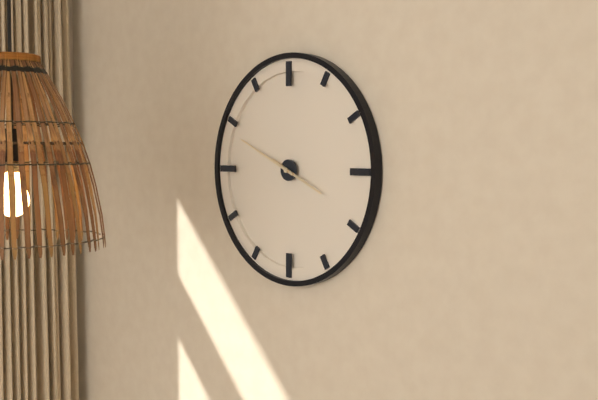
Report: 3 h 49 min
